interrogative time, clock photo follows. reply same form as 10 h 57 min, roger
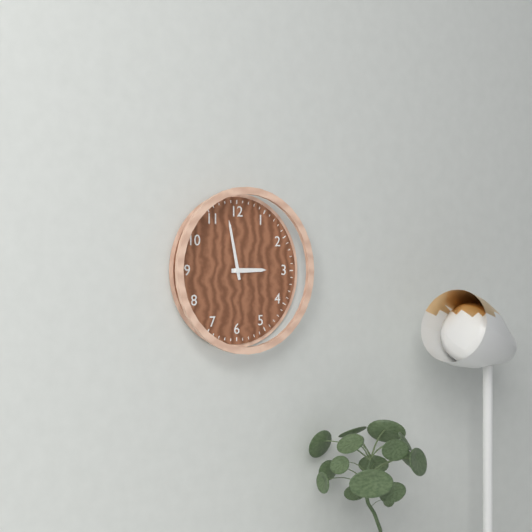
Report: 2 h 58 min
